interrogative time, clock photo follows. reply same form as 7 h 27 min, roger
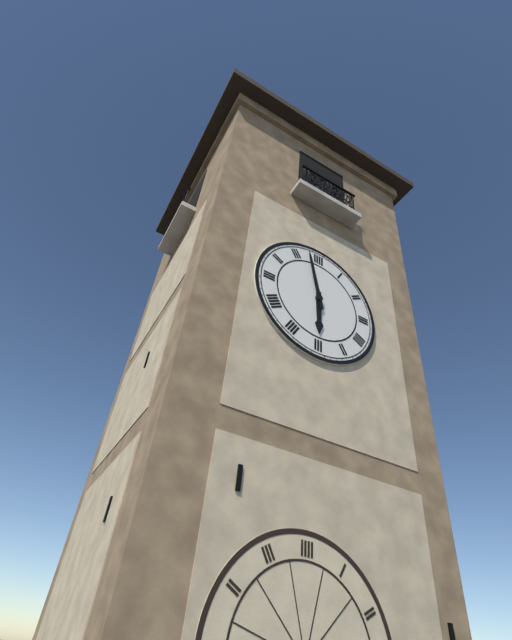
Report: 5 h 58 min
